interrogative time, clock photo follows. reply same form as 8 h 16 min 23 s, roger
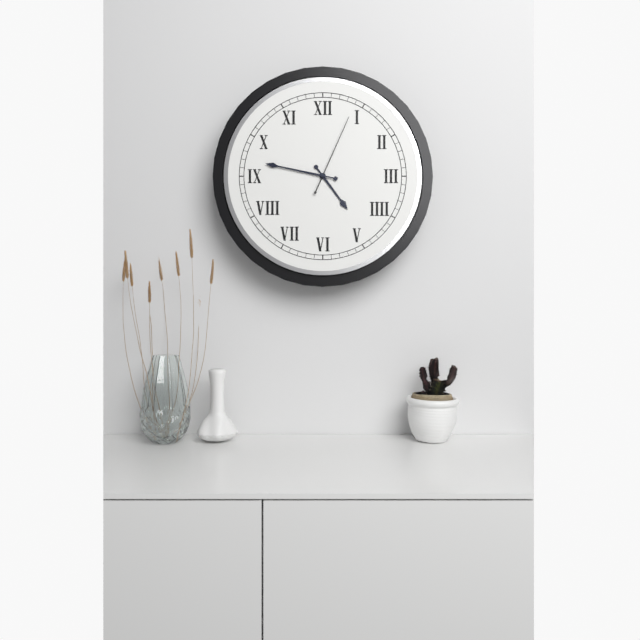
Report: 4 h 47 min 04 s
